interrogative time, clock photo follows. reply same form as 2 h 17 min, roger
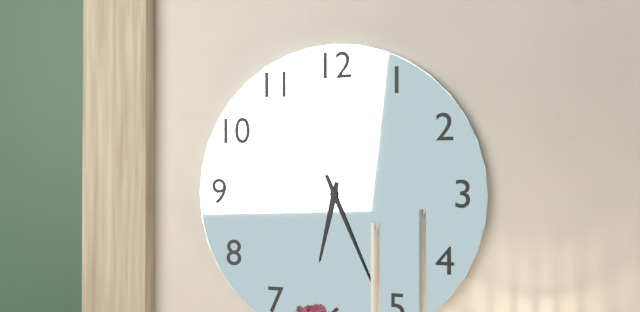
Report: 6 h 26 min
